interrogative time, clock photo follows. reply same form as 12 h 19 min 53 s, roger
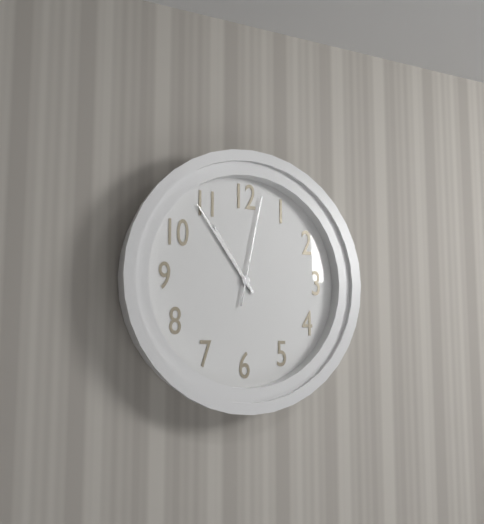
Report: 10 h 54 min 02 s
